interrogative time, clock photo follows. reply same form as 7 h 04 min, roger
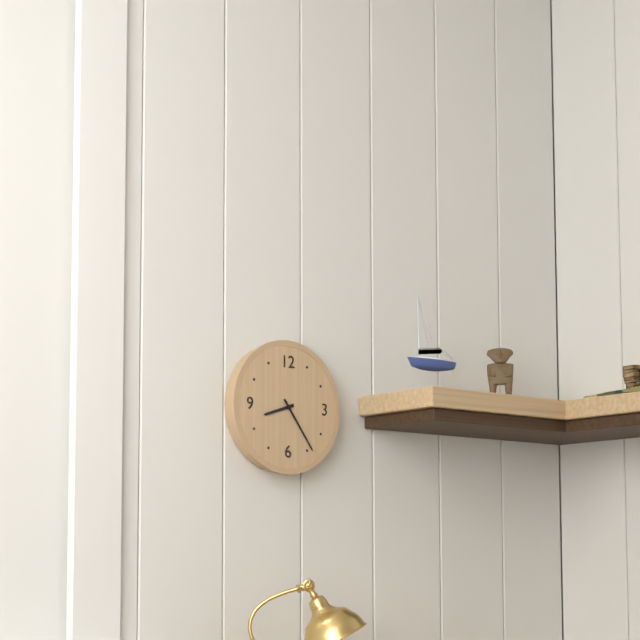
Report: 8 h 24 min
